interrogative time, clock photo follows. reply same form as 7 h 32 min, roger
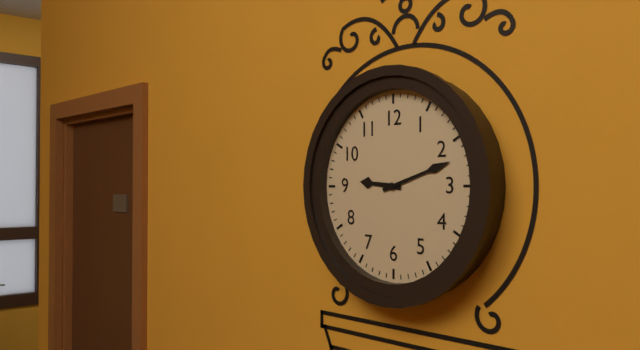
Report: 9 h 12 min
